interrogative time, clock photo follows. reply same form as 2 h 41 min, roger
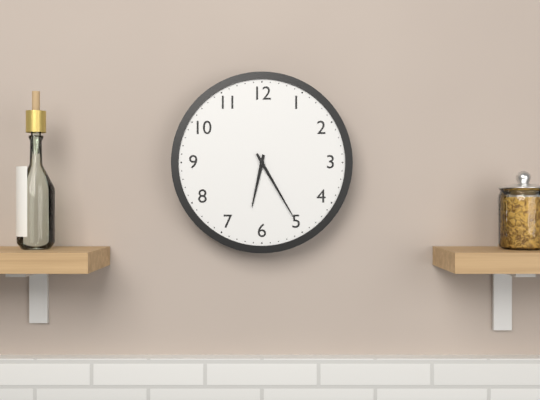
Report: 6 h 25 min
